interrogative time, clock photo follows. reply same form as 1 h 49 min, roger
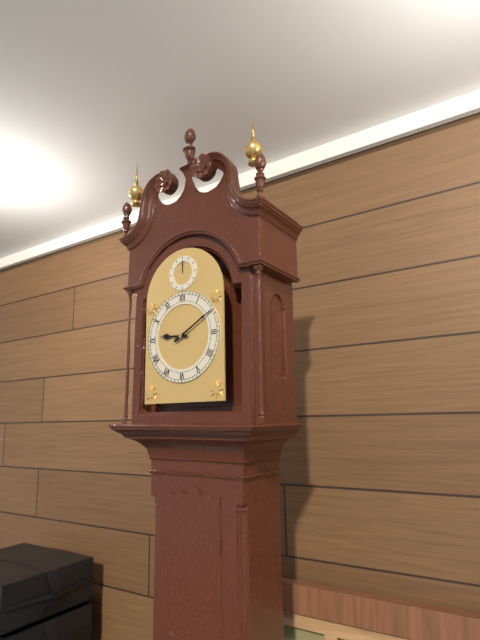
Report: 9 h 10 min
